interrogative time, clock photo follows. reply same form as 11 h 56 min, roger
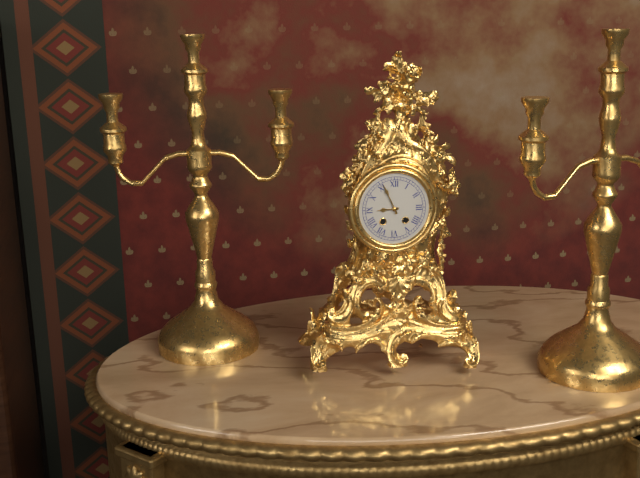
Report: 8 h 56 min
